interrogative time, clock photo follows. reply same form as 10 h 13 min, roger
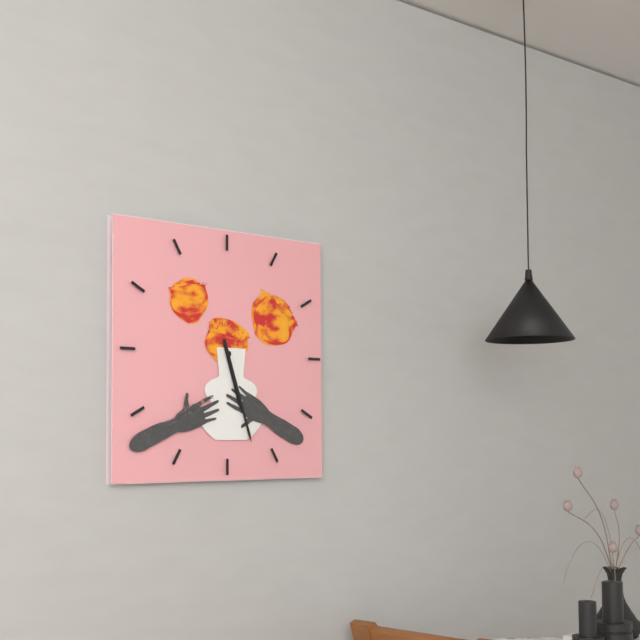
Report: 5 h 27 min
